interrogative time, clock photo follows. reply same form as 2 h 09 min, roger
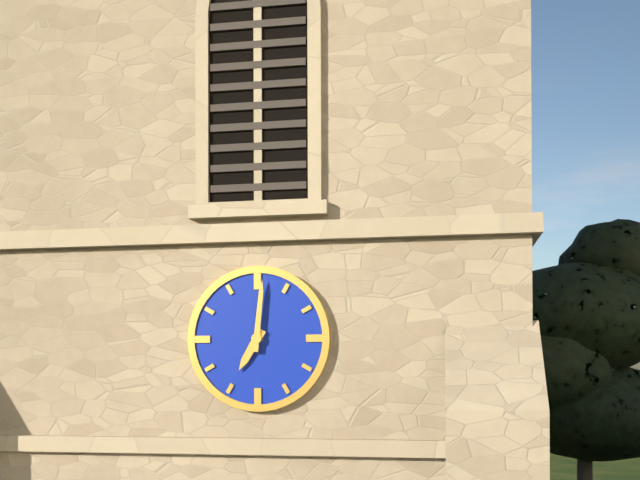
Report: 7 h 01 min
